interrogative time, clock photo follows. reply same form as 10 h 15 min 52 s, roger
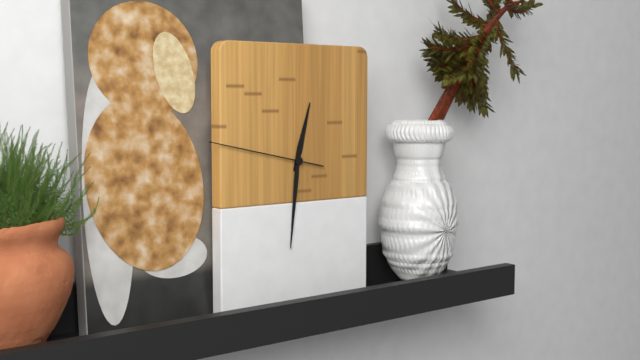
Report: 12 h 31 min 47 s
